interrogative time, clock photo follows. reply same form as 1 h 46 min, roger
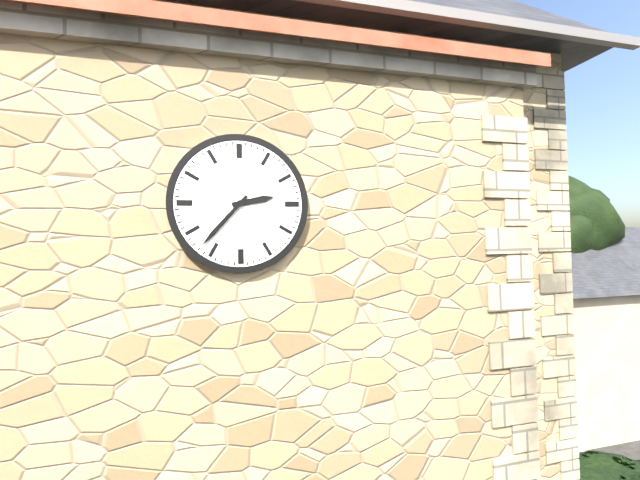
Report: 2 h 37 min
